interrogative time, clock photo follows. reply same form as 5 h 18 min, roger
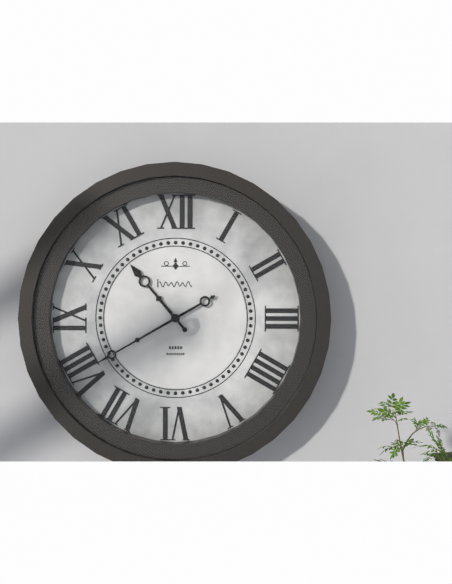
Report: 10 h 40 min
